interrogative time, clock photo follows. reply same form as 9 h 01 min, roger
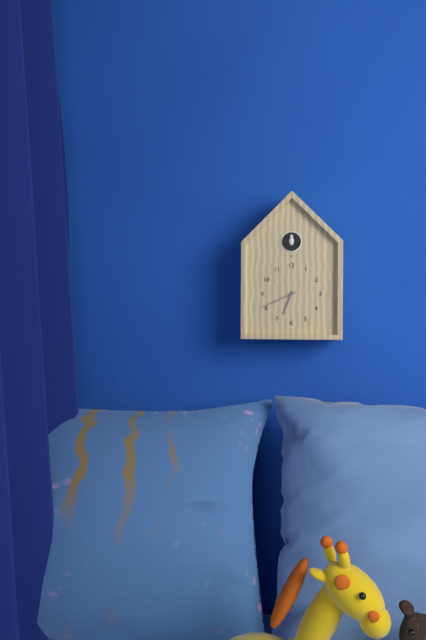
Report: 6 h 41 min
